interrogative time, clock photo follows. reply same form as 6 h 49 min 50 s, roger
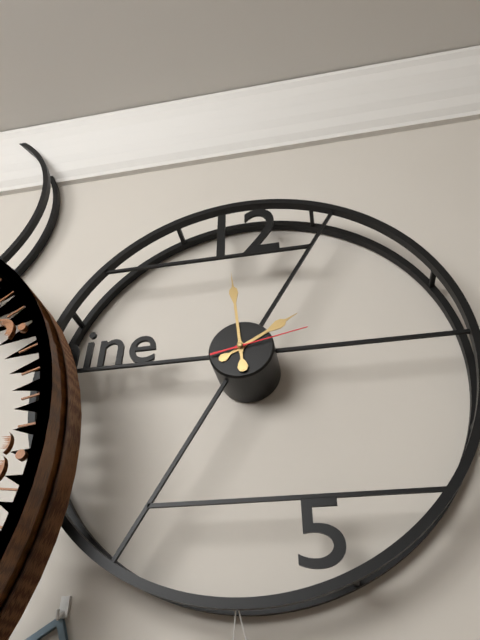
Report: 1 h 59 min 13 s
